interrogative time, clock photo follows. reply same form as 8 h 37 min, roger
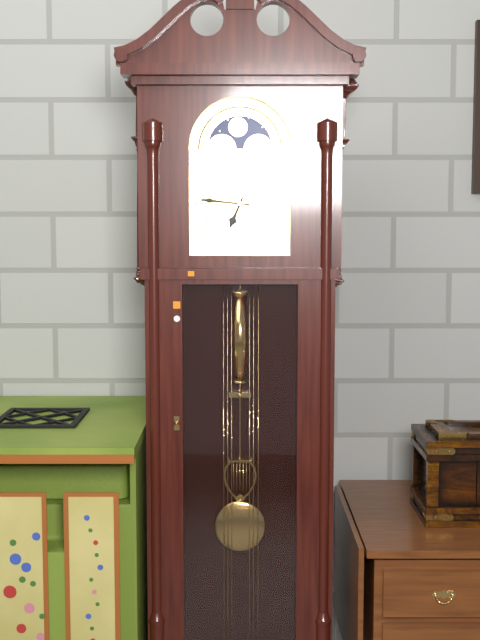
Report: 6 h 46 min
